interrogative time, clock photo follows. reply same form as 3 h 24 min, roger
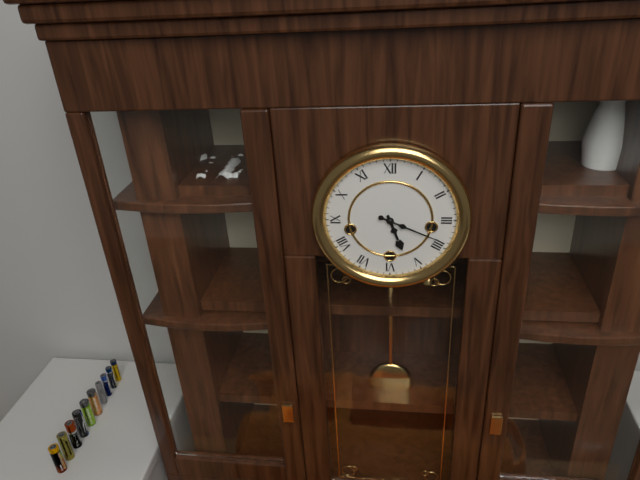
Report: 5 h 19 min
